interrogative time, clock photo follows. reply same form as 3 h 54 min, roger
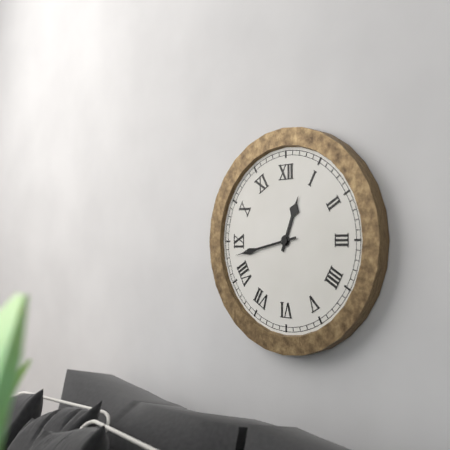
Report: 12 h 43 min
